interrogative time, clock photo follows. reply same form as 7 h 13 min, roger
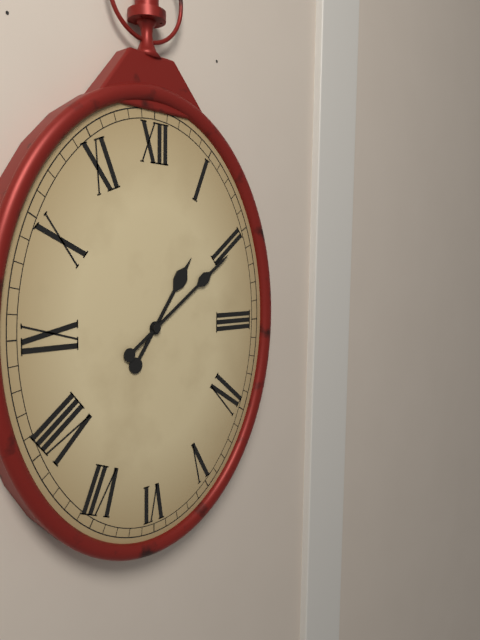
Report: 1 h 09 min
